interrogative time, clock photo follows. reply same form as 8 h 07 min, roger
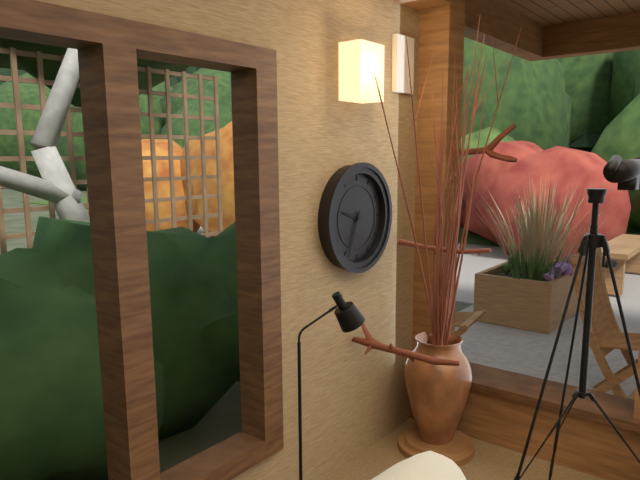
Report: 9 h 34 min
